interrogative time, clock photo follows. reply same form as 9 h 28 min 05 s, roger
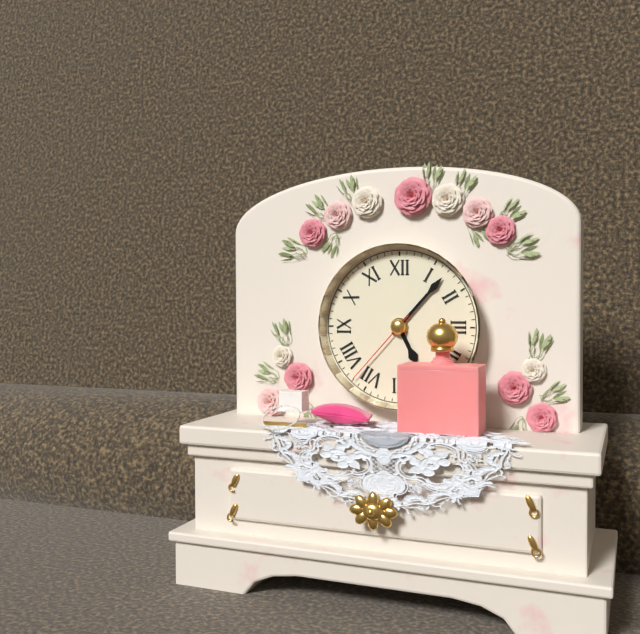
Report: 5 h 07 min 37 s
